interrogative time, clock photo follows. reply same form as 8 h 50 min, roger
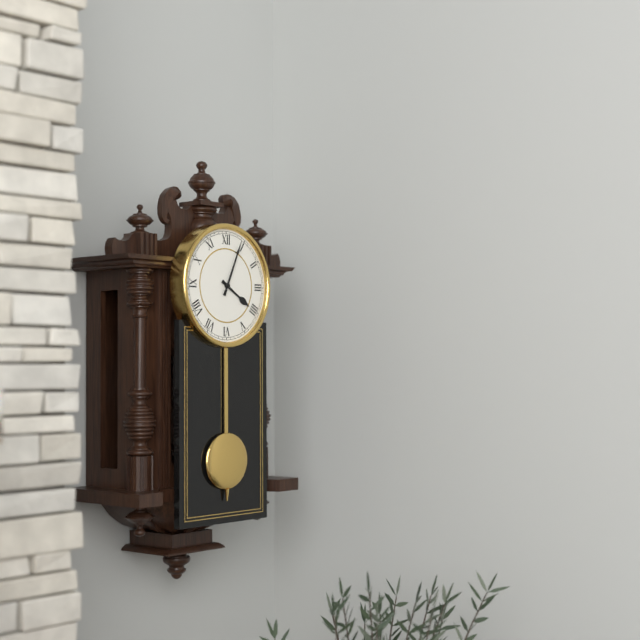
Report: 4 h 04 min
